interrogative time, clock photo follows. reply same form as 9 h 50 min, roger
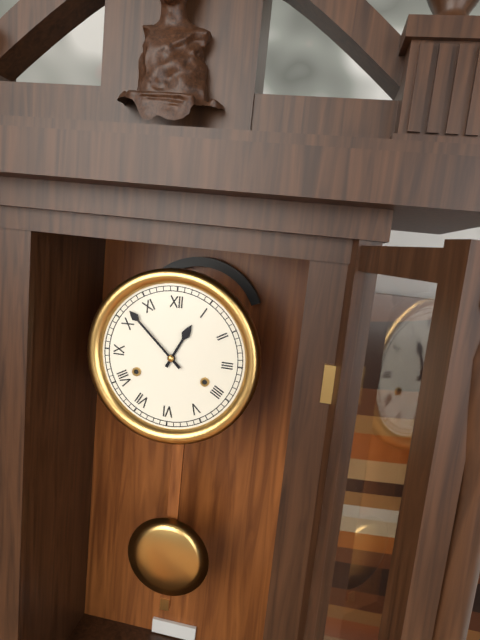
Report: 12 h 52 min
